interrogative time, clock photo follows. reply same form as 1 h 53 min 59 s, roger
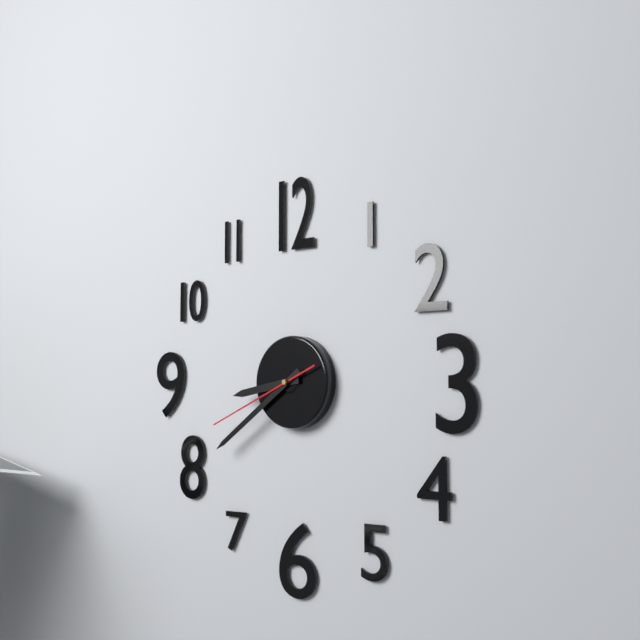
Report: 8 h 39 min 41 s
